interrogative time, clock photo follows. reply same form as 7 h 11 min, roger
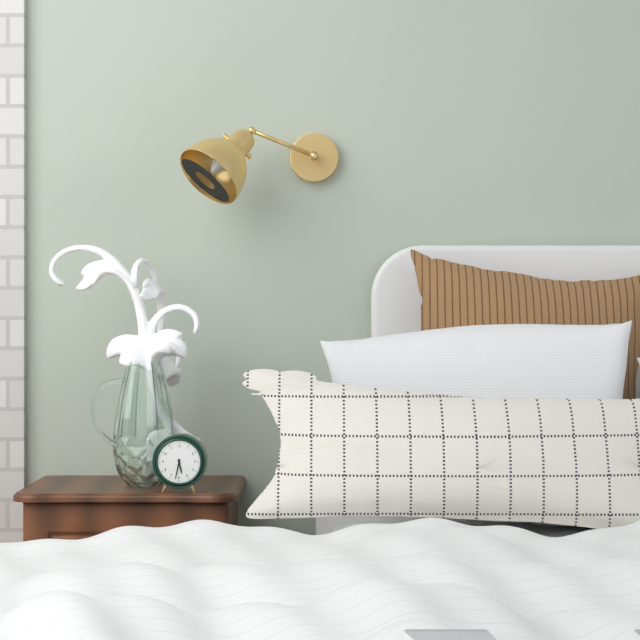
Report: 5 h 32 min
